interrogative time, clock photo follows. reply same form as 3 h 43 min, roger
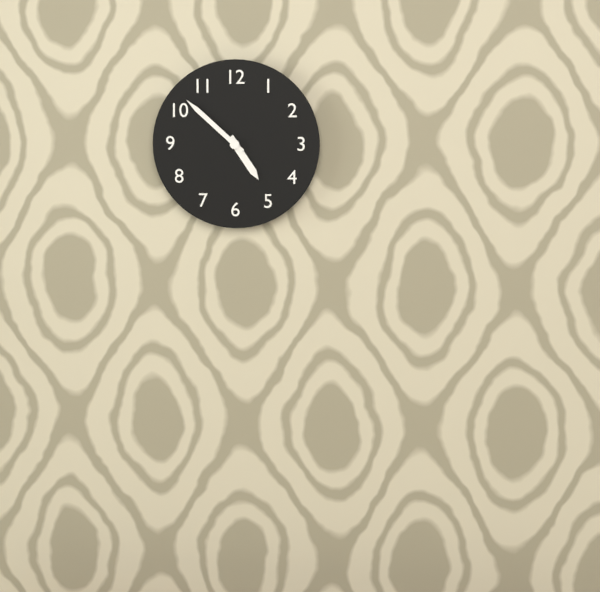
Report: 4 h 52 min
